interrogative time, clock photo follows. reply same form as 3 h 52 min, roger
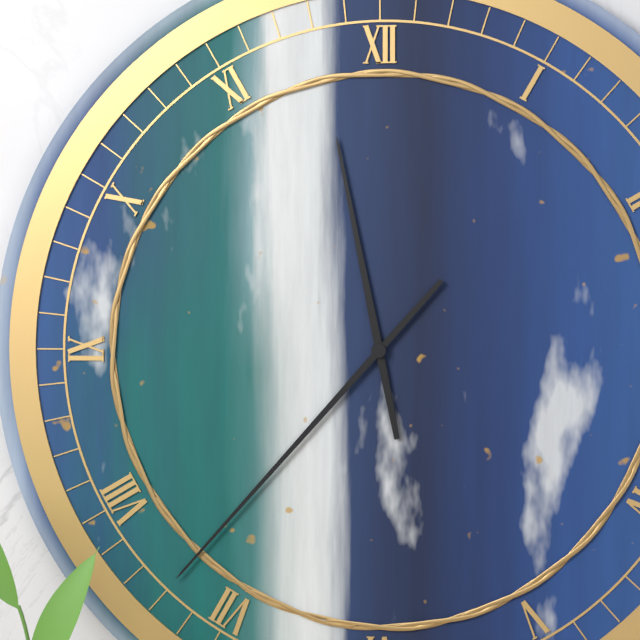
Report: 11 h 37 min
